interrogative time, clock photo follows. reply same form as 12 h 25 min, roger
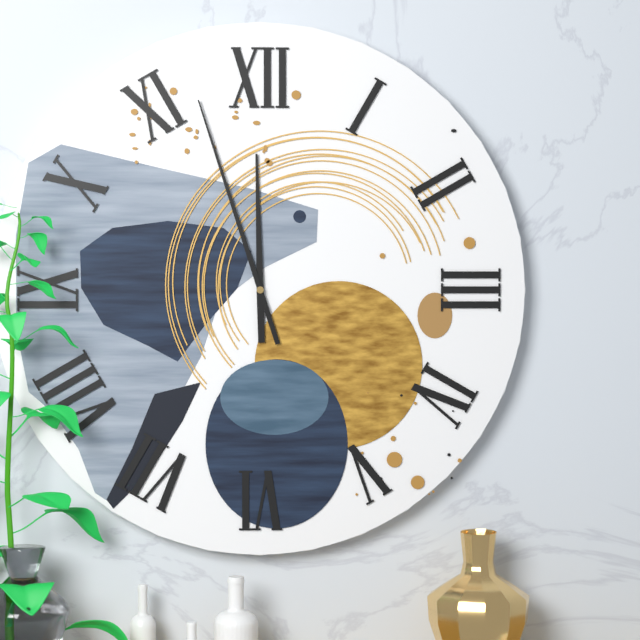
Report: 11 h 57 min
